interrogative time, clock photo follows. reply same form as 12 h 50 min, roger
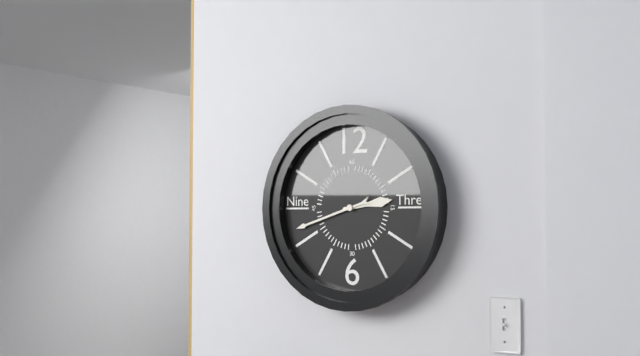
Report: 2 h 42 min
